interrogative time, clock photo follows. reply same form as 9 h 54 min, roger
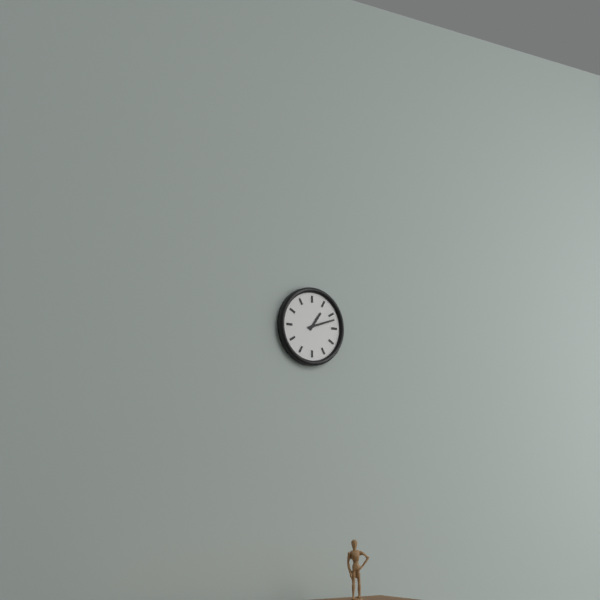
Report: 1 h 12 min
